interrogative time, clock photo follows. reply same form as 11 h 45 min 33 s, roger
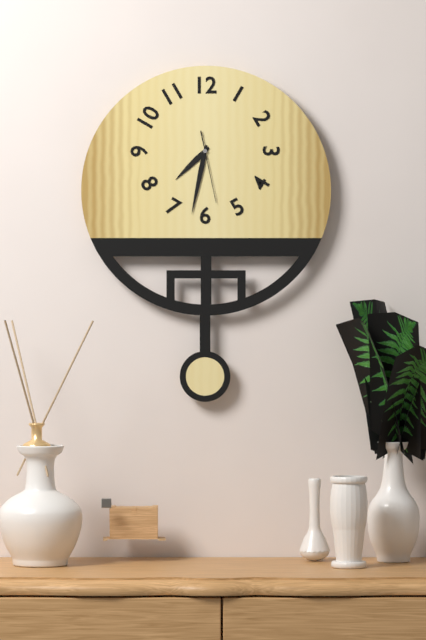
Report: 7 h 32 min 28 s
